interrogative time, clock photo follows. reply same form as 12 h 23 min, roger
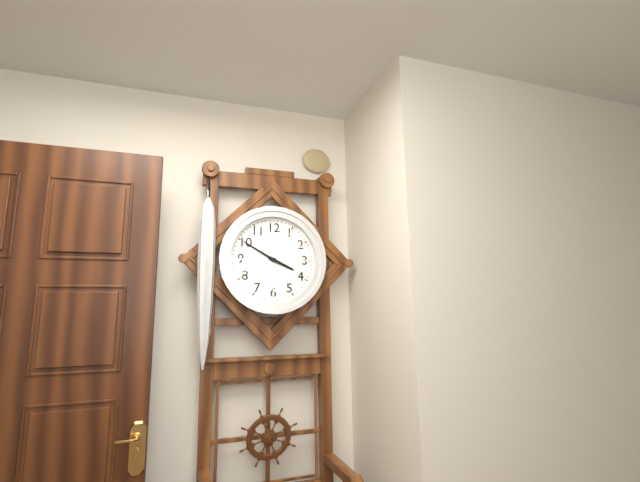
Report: 3 h 50 min
